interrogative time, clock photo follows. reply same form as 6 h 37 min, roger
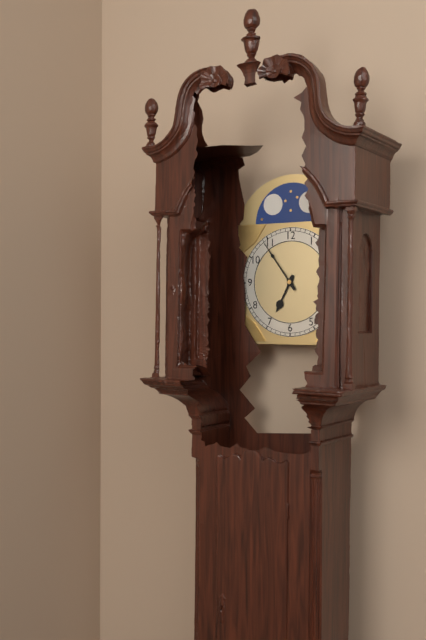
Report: 6 h 54 min
